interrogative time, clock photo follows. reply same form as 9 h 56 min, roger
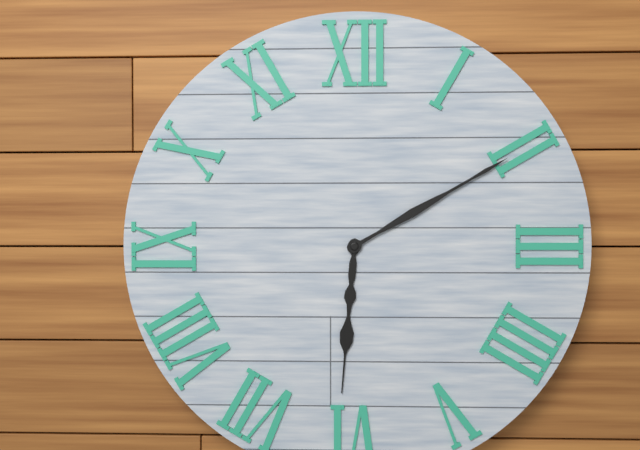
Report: 6 h 10 min
